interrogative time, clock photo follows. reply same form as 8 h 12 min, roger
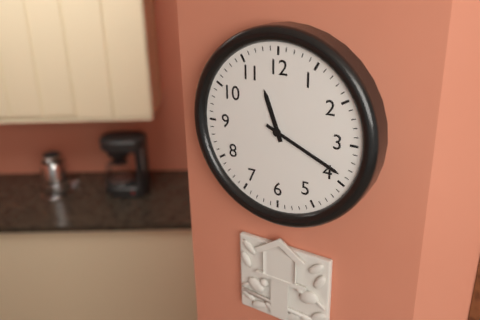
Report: 11 h 19 min
